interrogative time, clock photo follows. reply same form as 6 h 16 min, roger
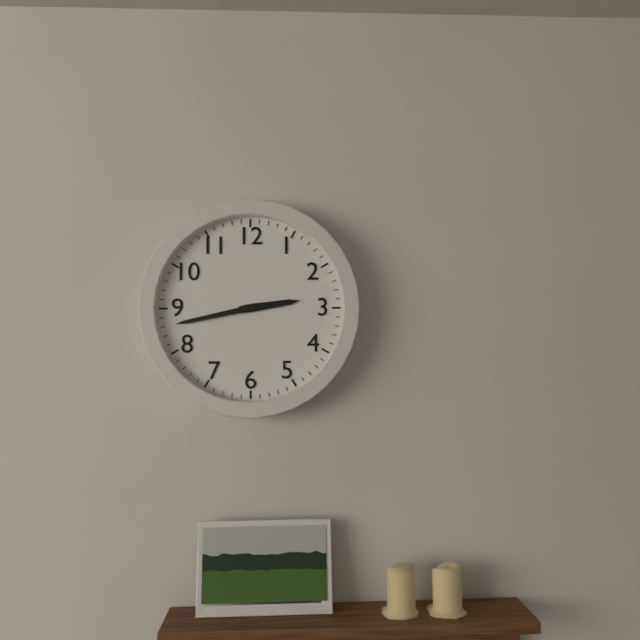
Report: 2 h 43 min
